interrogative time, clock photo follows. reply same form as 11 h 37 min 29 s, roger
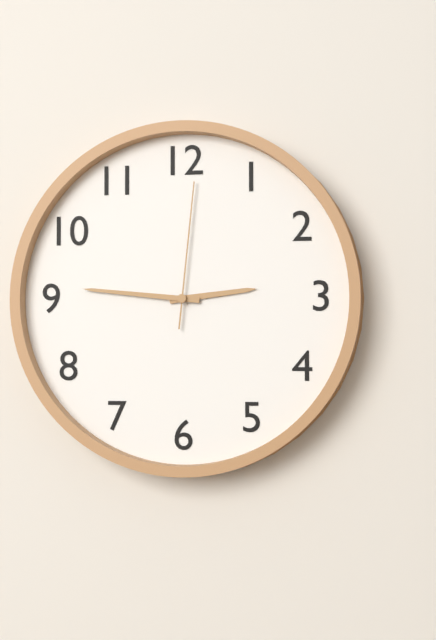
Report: 2 h 46 min 01 s
